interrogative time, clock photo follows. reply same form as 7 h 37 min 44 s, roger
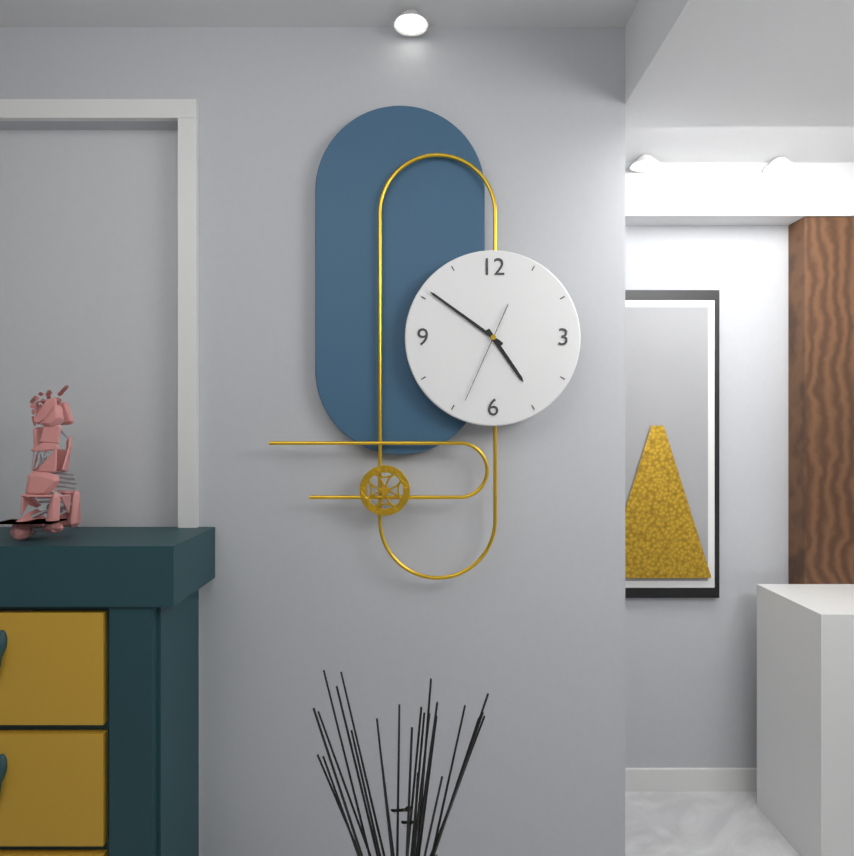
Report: 4 h 51 min 34 s
